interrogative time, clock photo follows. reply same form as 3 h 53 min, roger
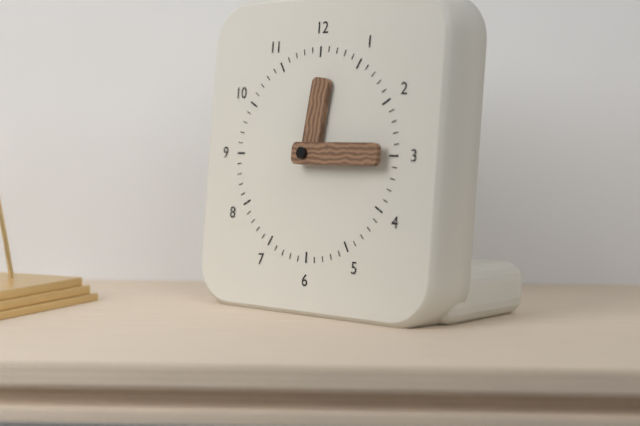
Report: 12 h 15 min
